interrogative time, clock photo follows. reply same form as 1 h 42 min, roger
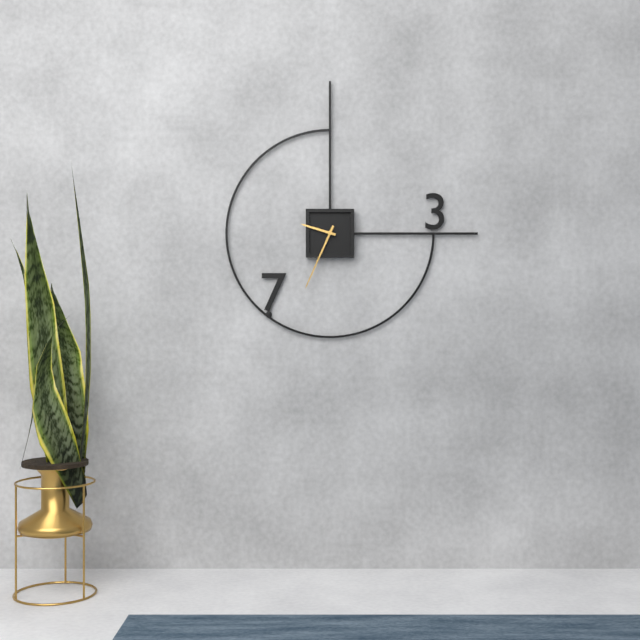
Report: 9 h 34 min
